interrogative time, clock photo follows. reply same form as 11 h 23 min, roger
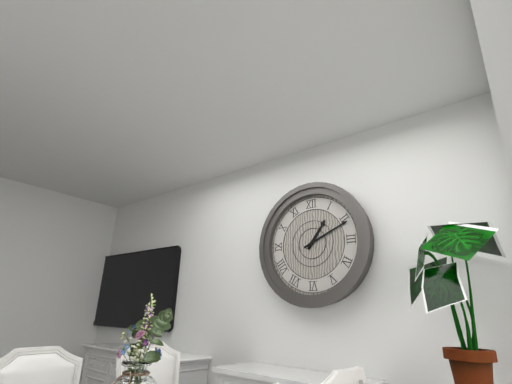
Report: 1 h 11 min
